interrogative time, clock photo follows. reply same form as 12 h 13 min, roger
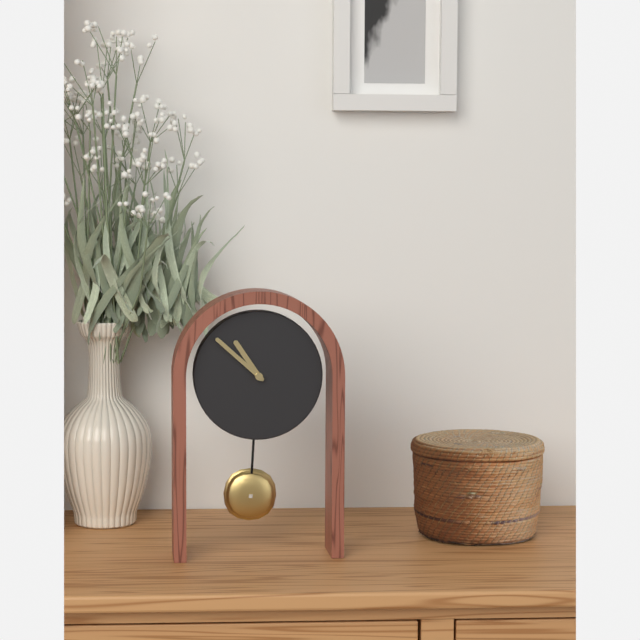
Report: 10 h 52 min
